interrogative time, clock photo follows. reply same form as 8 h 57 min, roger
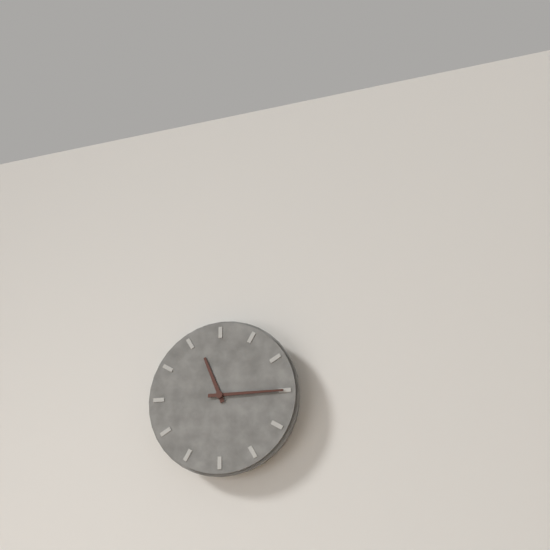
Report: 11 h 15 min
